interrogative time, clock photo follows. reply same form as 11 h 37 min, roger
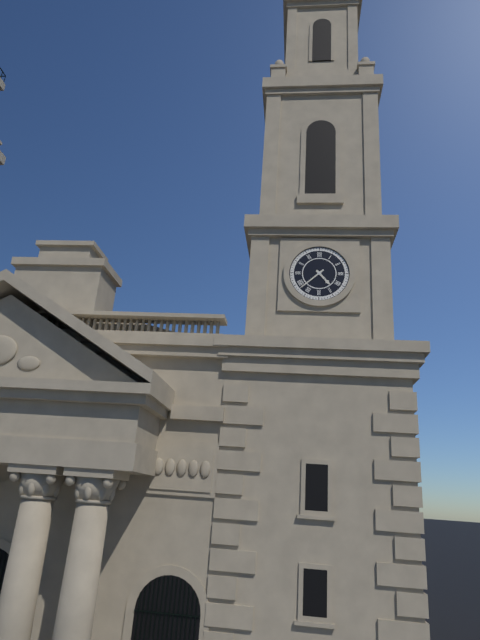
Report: 4 h 38 min
